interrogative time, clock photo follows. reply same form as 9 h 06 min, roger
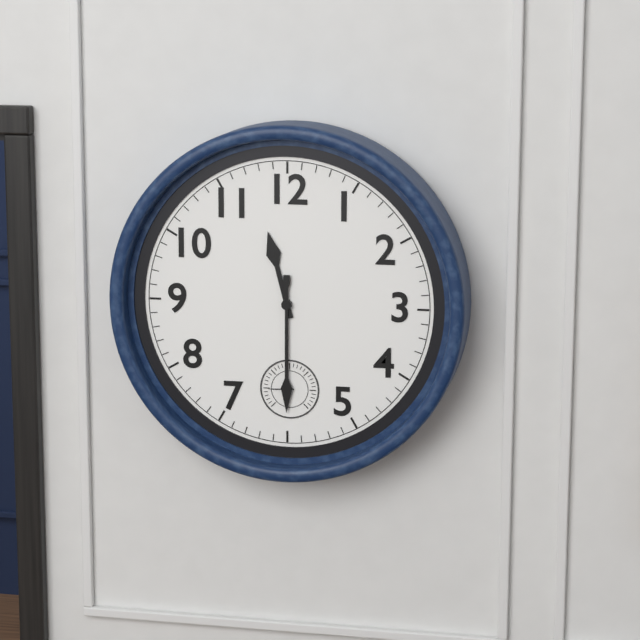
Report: 11 h 30 min
